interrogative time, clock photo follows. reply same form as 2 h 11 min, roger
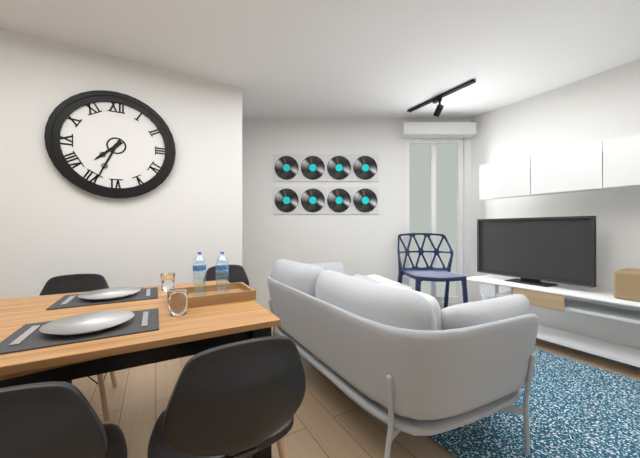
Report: 7 h 34 min
